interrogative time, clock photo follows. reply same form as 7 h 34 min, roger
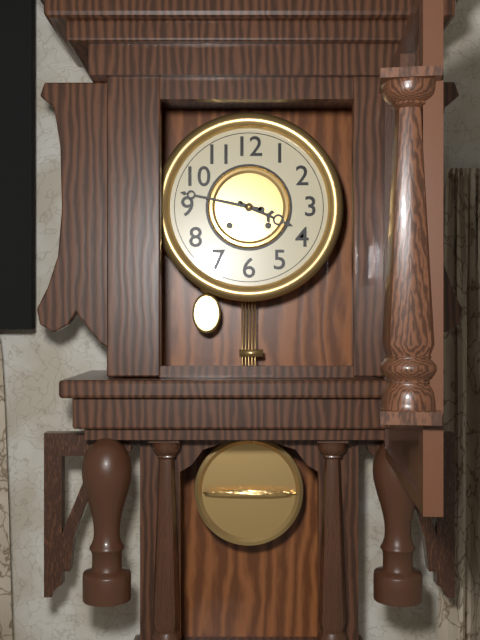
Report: 3 h 47 min
